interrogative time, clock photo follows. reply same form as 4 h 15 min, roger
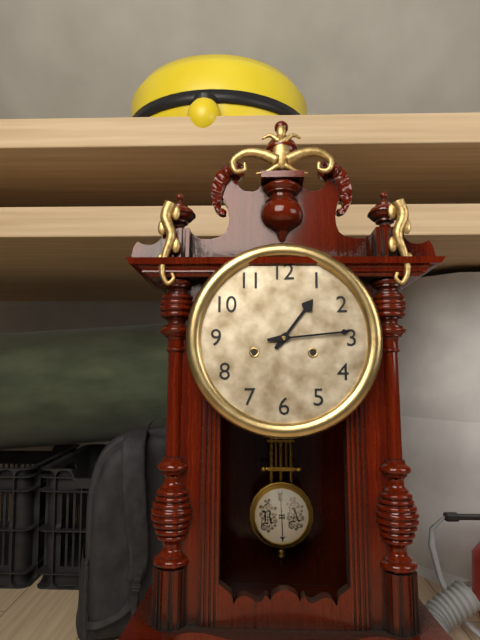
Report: 1 h 14 min
